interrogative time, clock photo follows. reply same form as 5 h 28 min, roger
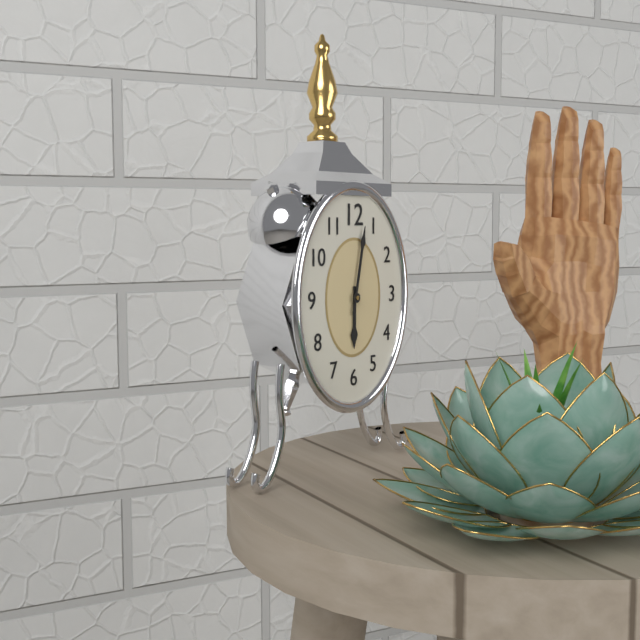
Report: 6 h 02 min
